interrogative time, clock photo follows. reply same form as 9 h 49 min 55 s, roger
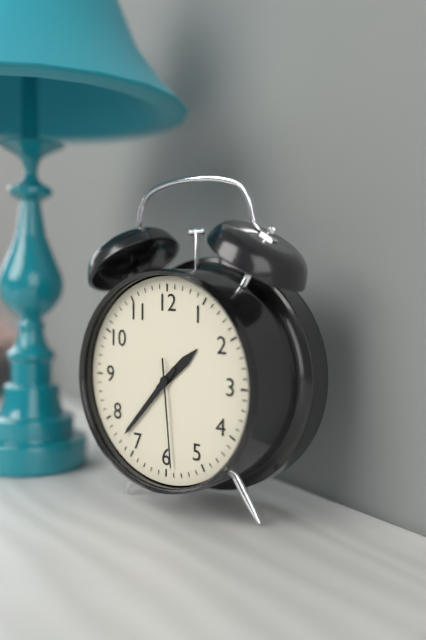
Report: 1 h 37 min 29 s
